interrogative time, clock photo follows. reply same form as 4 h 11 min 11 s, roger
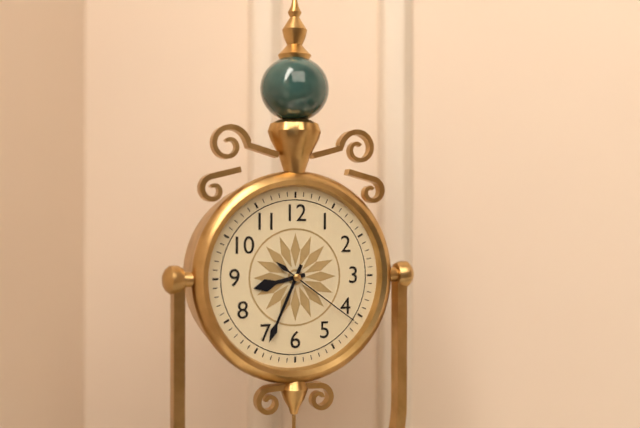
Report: 8 h 34 min 21 s
